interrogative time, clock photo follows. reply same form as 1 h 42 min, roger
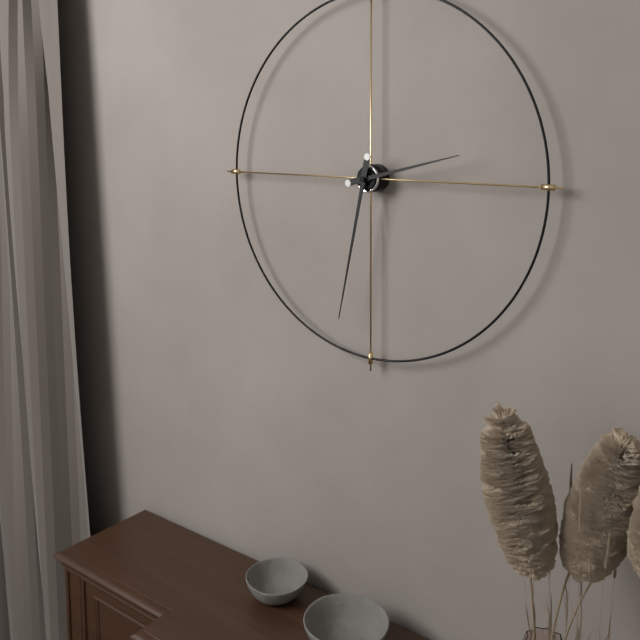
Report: 2 h 32 min
